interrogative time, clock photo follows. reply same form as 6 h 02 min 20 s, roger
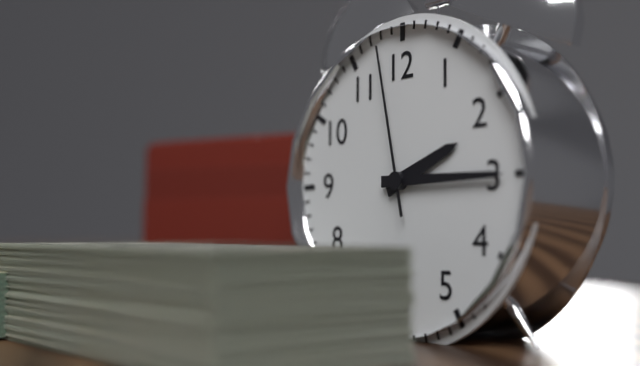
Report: 2 h 15 min 58 s
